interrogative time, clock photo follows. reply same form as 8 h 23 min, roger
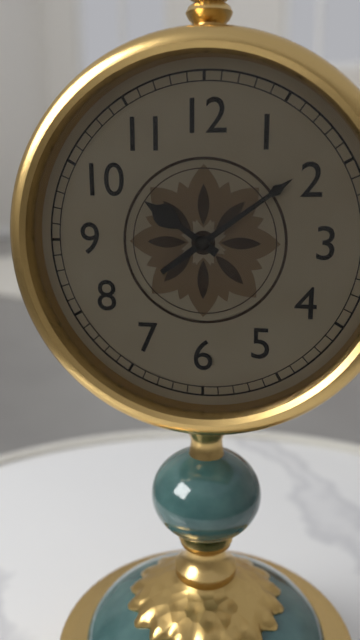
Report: 10 h 09 min
